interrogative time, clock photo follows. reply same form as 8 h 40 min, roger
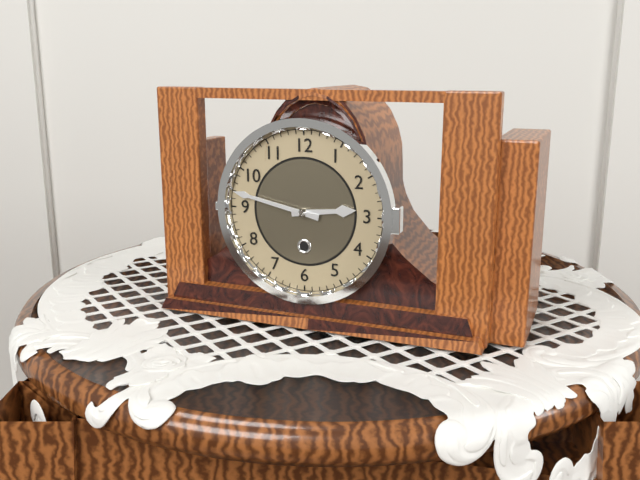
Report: 2 h 47 min
